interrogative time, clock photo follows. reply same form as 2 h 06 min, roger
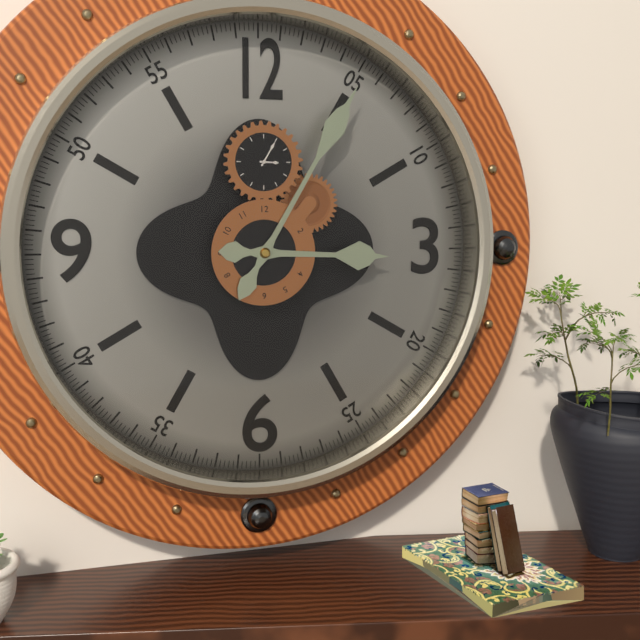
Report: 3 h 05 min
